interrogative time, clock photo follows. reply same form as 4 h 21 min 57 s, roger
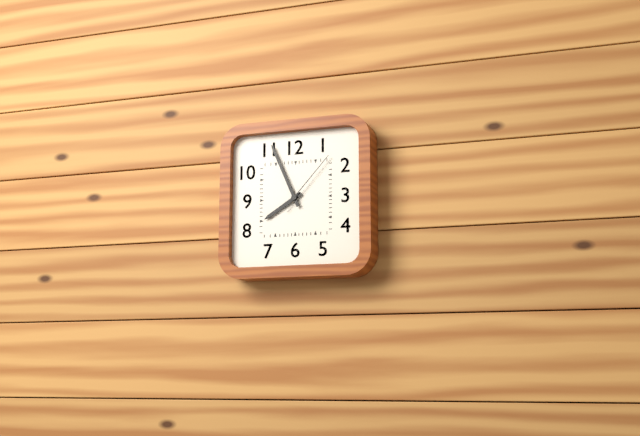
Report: 7 h 56 min 07 s
